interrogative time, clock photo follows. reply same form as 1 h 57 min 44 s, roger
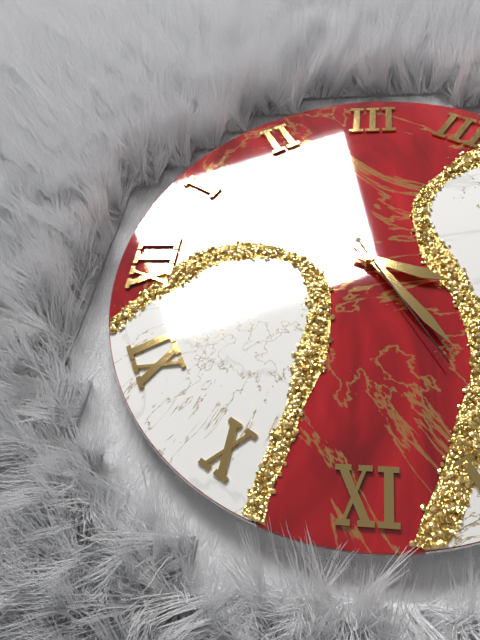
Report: 6 h 39 min 40 s
